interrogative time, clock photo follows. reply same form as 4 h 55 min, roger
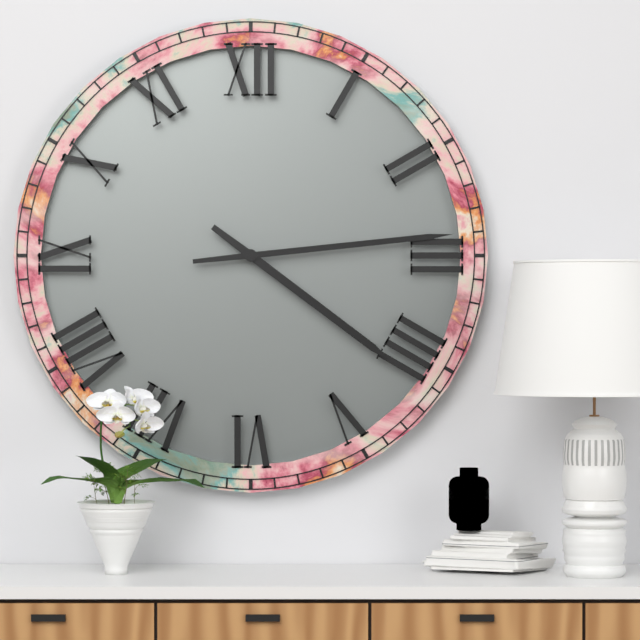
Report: 4 h 14 min
